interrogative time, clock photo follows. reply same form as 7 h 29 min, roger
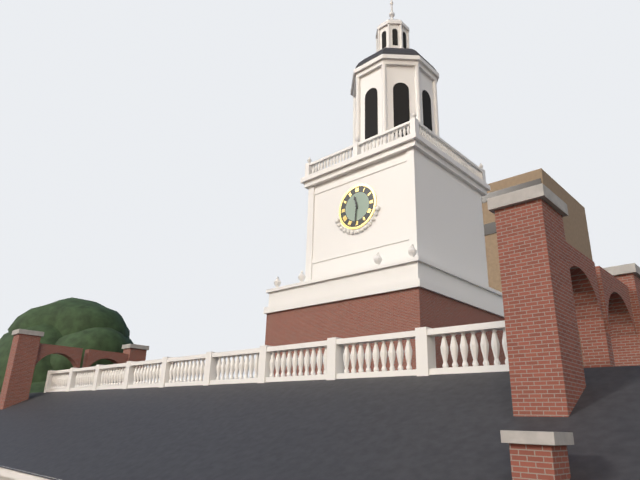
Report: 11 h 31 min
